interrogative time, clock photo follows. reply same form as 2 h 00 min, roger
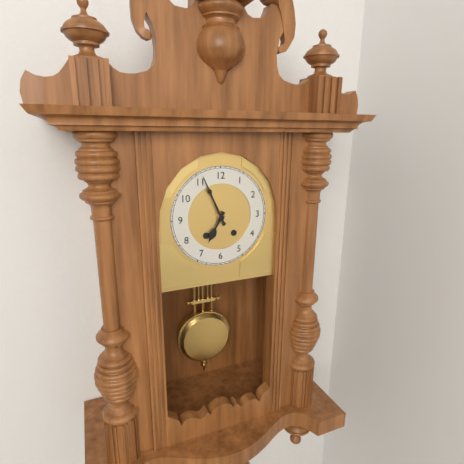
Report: 6 h 56 min
